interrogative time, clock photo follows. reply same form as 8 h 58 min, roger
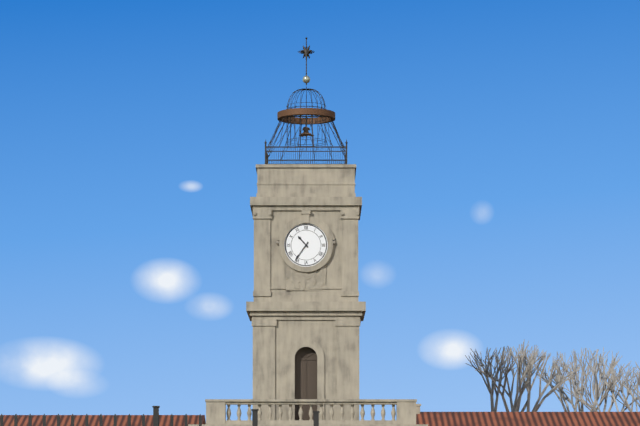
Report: 10 h 36 min
